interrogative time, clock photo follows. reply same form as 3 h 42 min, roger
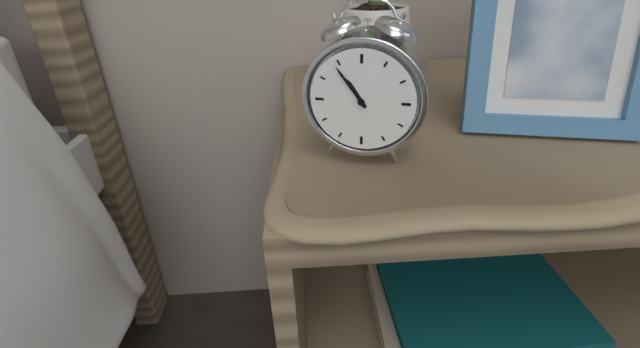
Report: 10 h 54 min
